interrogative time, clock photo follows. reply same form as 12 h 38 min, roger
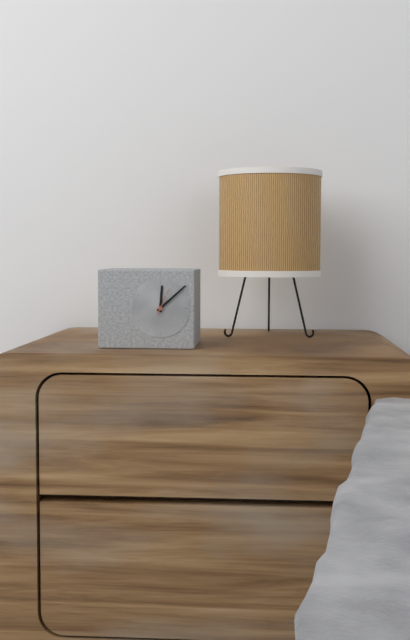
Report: 12 h 08 min
